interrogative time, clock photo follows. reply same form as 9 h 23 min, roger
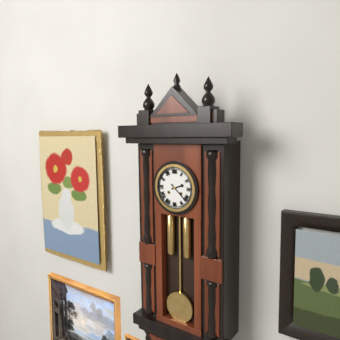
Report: 2 h 22 min
